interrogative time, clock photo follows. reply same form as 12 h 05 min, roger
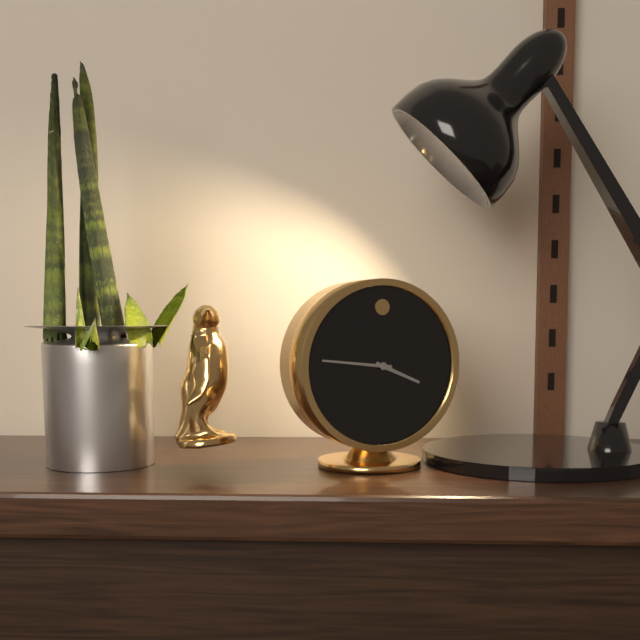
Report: 3 h 46 min
